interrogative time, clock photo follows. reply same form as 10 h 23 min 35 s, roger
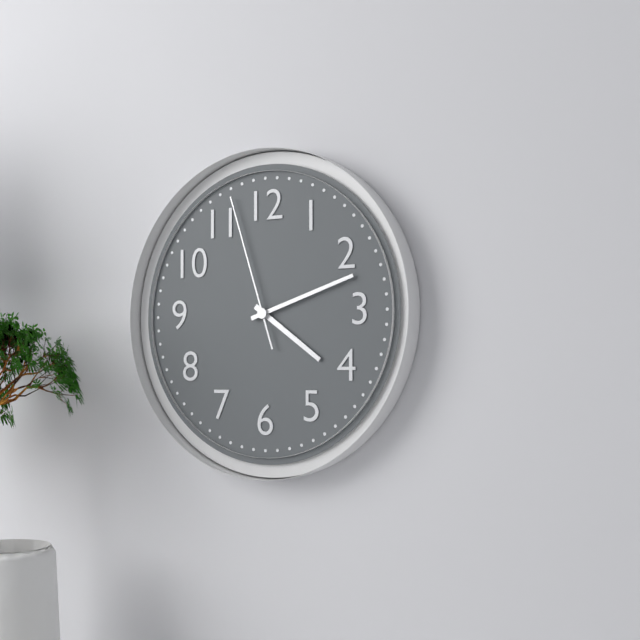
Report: 4 h 12 min 57 s
